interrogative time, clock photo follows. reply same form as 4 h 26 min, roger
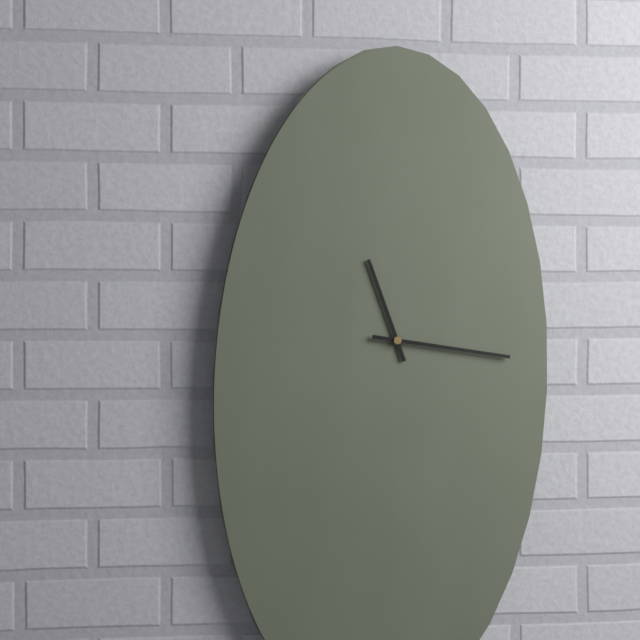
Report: 11 h 16 min
